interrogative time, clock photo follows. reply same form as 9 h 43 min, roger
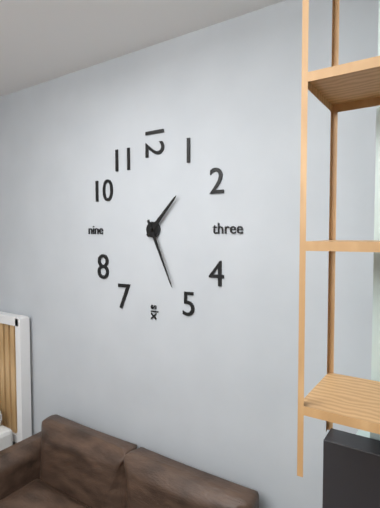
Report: 1 h 26 min
